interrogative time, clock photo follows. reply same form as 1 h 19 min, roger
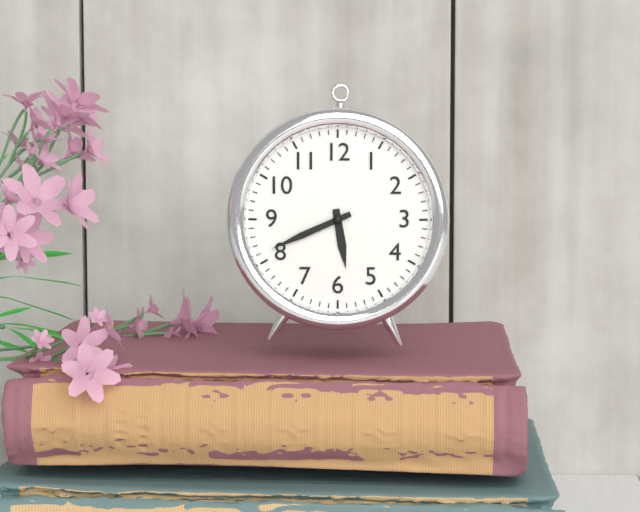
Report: 5 h 41 min
